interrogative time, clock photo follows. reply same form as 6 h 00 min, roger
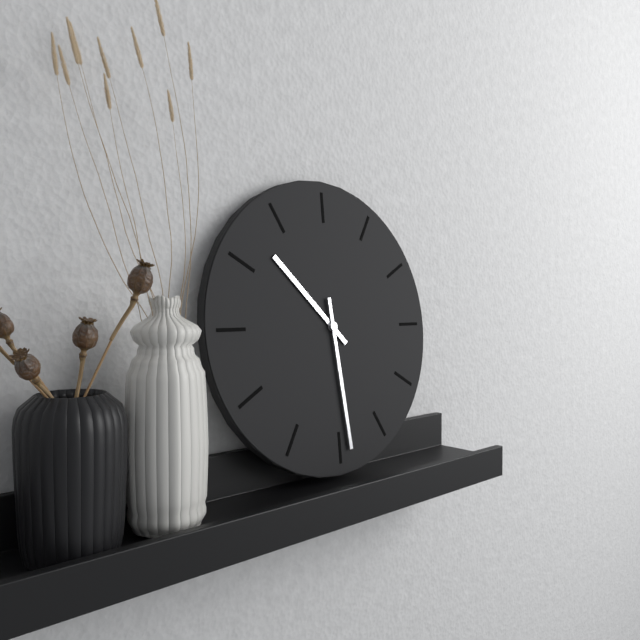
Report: 10 h 29 min
